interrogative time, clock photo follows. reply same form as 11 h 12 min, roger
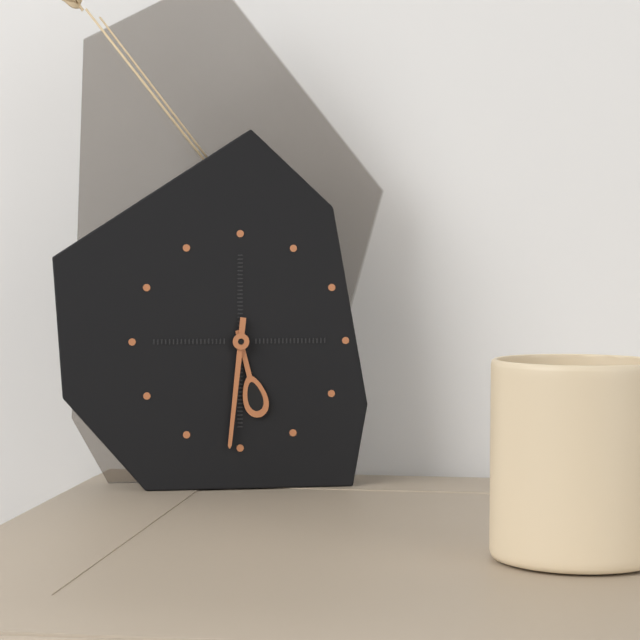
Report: 5 h 31 min
